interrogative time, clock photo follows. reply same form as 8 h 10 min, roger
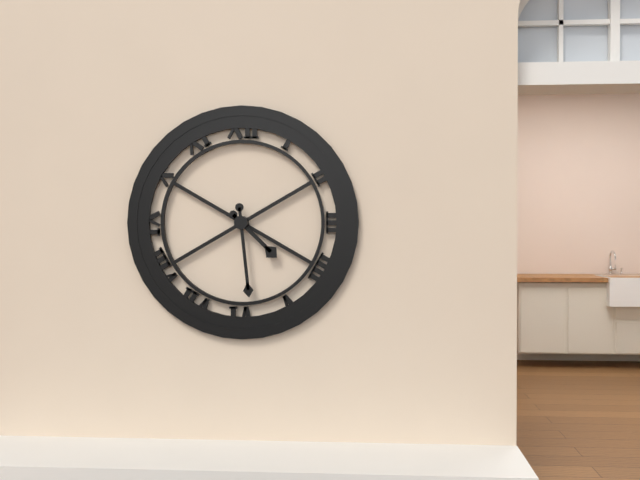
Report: 4 h 29 min
